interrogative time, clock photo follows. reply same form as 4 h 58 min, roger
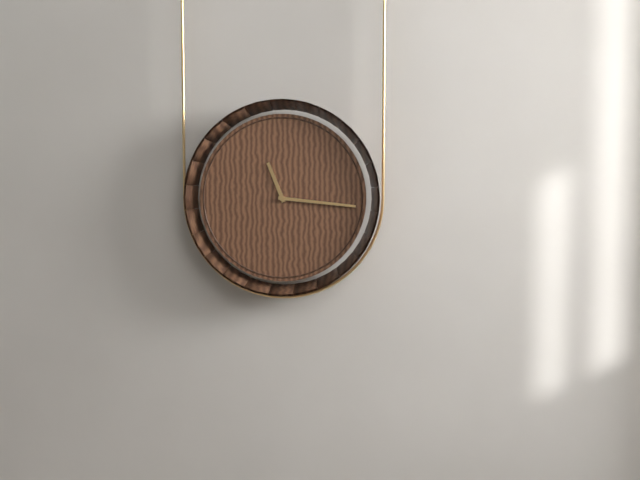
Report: 11 h 16 min
